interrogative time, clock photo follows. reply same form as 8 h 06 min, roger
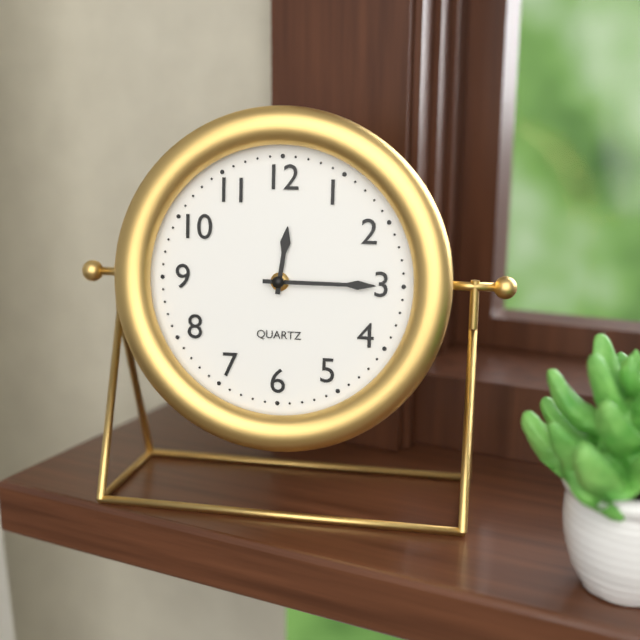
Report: 12 h 15 min
